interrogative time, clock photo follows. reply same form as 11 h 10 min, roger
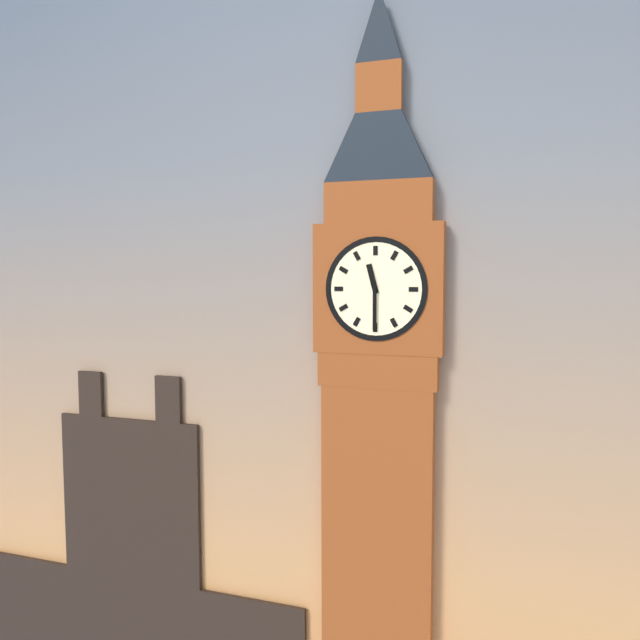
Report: 11 h 30 min
